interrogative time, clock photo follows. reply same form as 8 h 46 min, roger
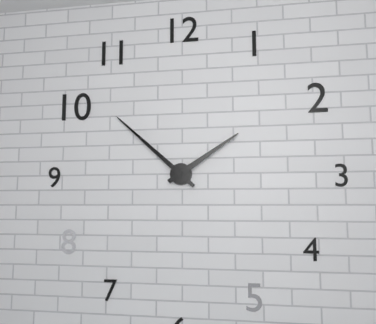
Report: 1 h 52 min
